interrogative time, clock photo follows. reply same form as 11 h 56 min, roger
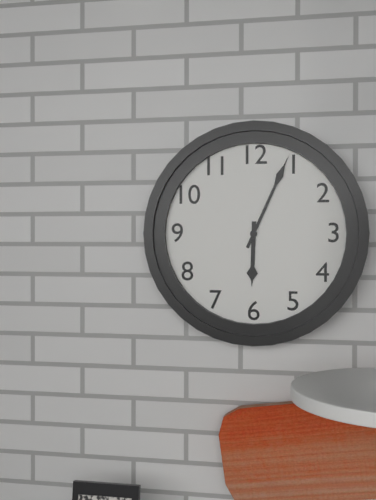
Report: 6 h 04 min
